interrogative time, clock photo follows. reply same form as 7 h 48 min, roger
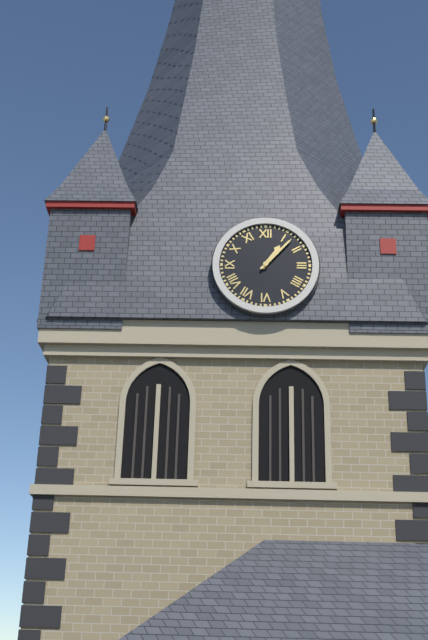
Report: 1 h 07 min
